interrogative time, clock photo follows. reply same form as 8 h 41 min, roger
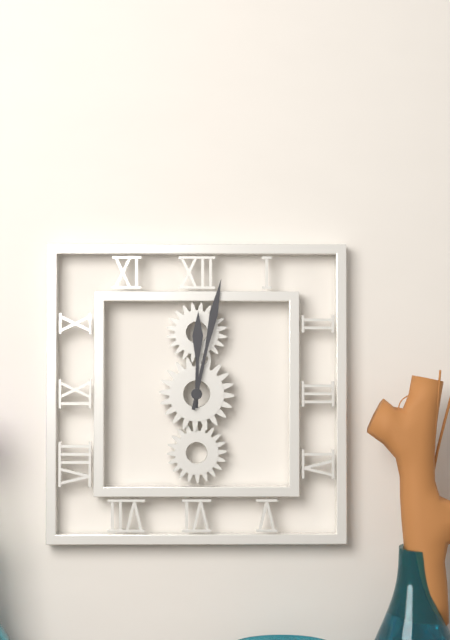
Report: 12 h 02 min
